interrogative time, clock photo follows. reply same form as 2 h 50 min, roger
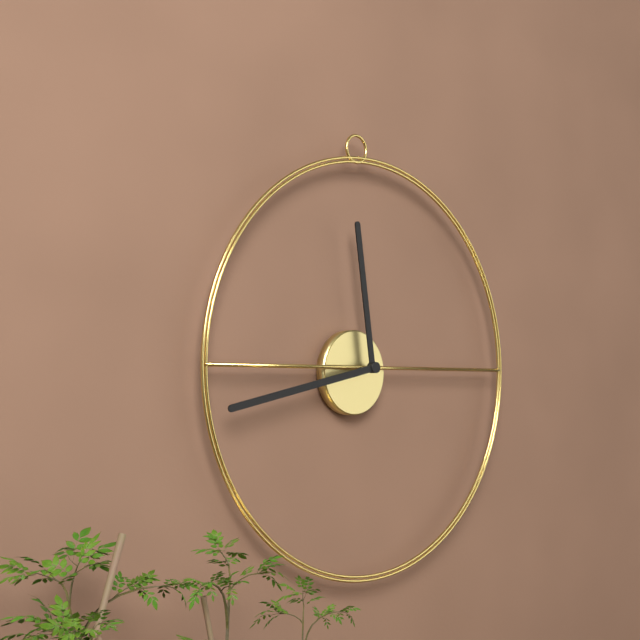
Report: 11 h 43 min
